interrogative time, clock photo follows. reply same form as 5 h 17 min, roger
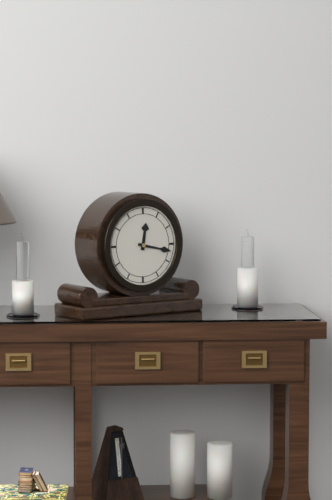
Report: 12 h 17 min
